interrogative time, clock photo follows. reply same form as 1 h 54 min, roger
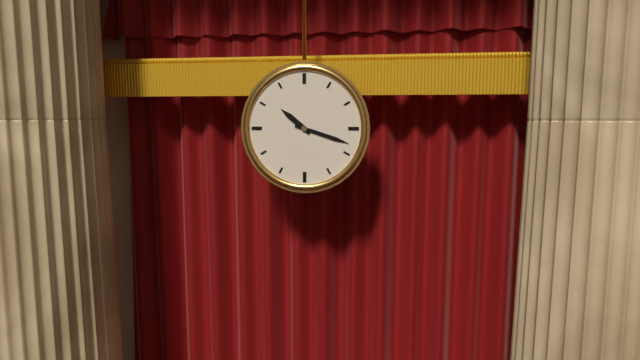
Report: 10 h 18 min
